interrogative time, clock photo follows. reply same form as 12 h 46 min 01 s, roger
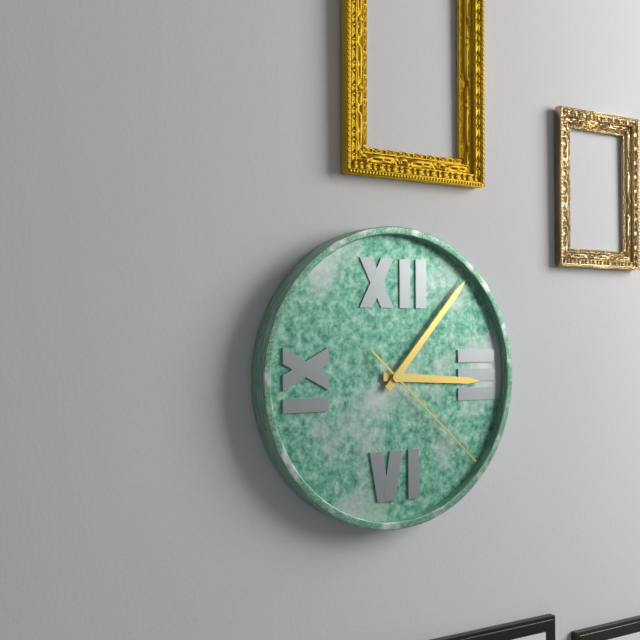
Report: 3 h 07 min 22 s
